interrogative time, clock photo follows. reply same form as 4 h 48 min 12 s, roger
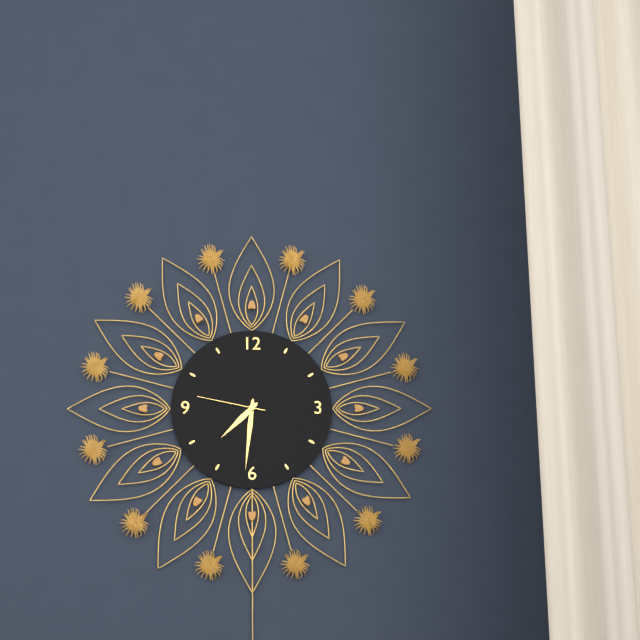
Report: 7 h 31 min 47 s
